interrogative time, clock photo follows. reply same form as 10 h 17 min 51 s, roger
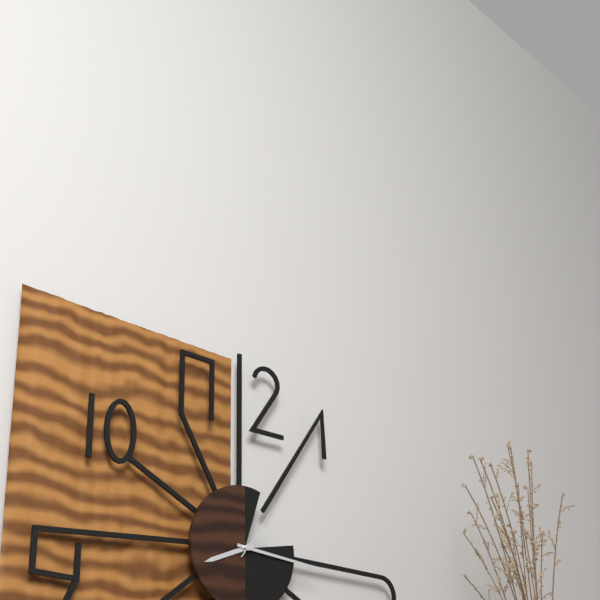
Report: 8 h 16 min 06 s
